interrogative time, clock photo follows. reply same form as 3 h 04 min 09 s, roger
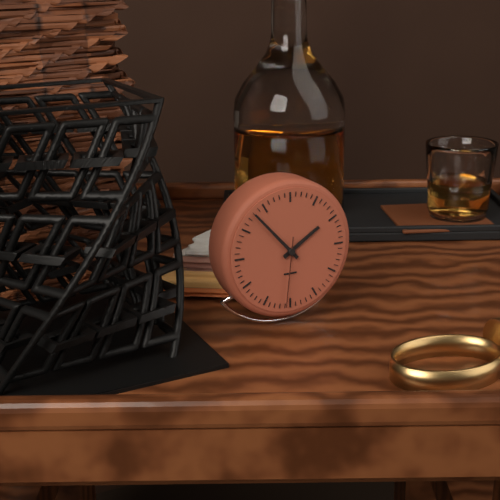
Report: 1 h 53 min 31 s
